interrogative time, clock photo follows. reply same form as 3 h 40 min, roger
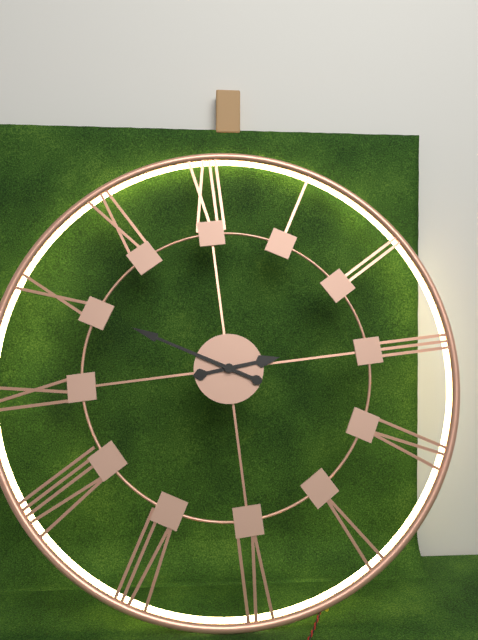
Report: 2 h 50 min
